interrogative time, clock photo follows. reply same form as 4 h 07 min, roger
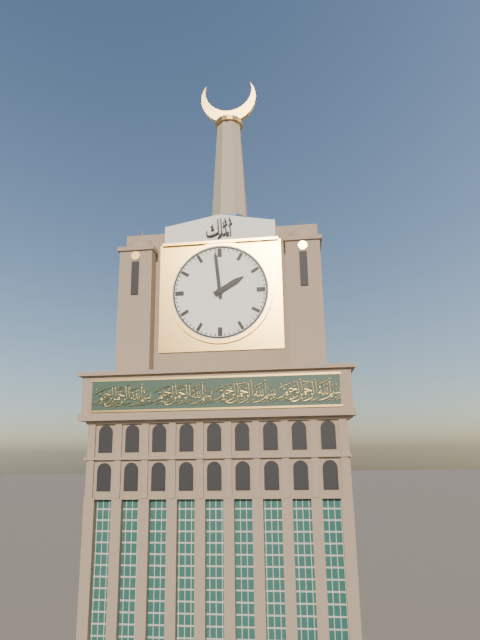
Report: 1 h 59 min
